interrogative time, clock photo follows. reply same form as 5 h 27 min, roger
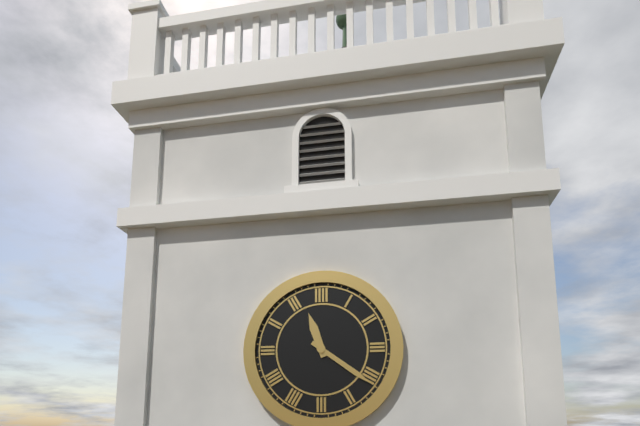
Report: 11 h 21 min
